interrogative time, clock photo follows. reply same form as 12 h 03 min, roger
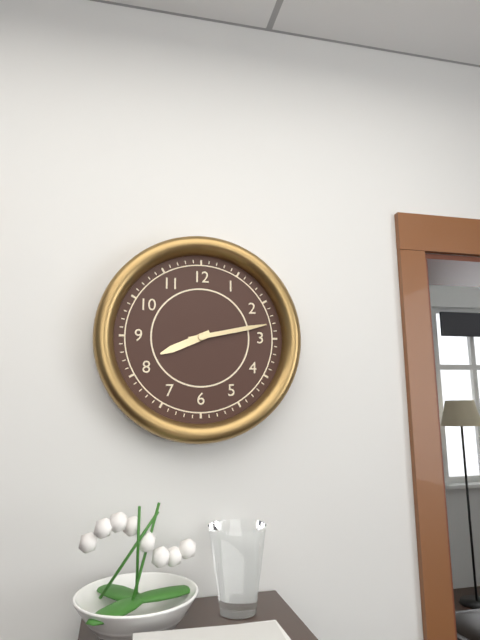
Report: 8 h 13 min
